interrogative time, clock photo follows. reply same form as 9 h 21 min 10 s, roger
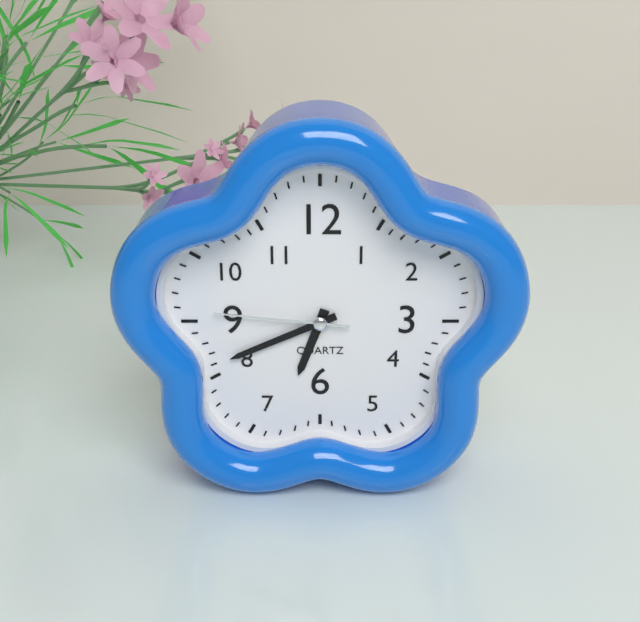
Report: 6 h 41 min 46 s
